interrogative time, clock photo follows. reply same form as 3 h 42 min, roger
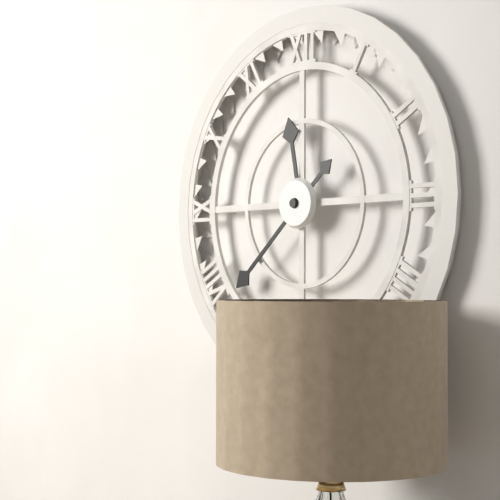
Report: 11 h 38 min
